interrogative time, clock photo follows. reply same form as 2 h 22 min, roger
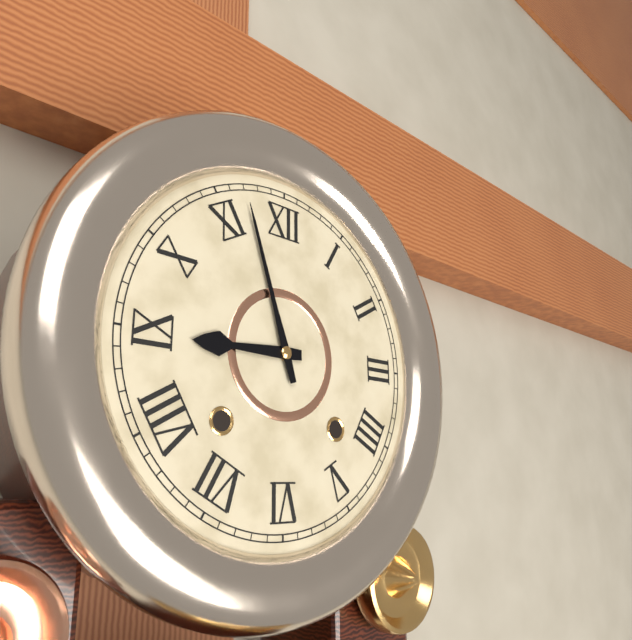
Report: 8 h 57 min
